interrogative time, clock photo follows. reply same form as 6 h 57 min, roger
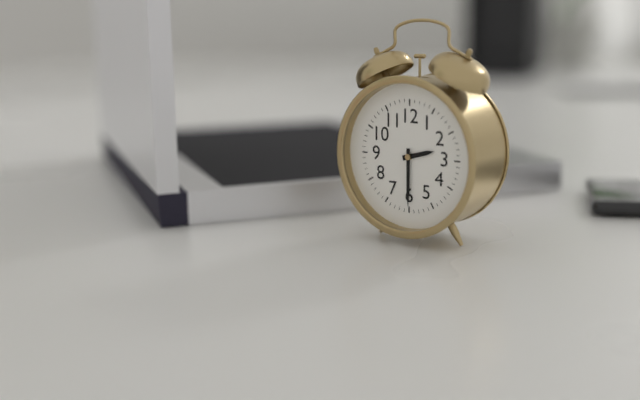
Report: 2 h 30 min
